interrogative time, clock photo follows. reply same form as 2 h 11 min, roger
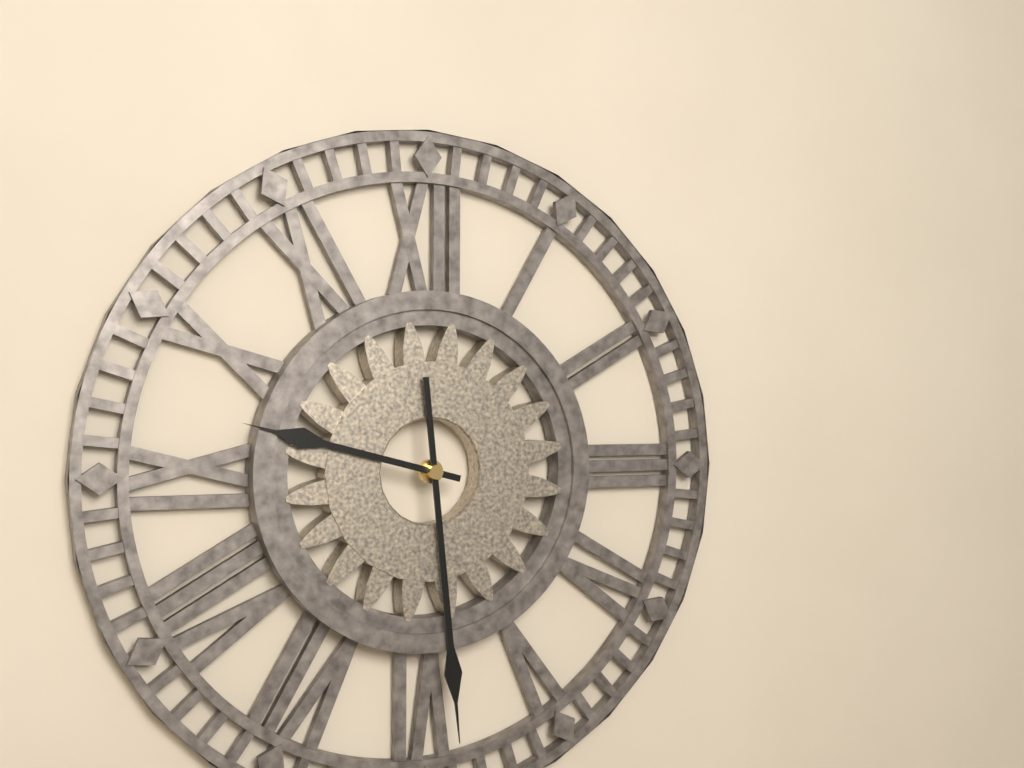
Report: 9 h 29 min
